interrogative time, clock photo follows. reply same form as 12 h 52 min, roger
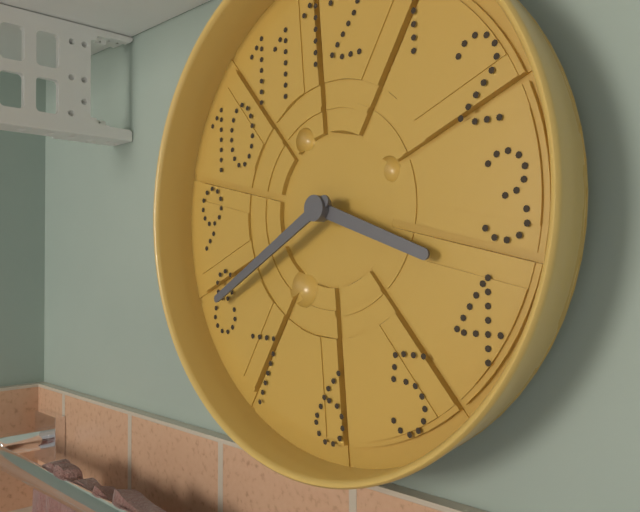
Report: 3 h 40 min
